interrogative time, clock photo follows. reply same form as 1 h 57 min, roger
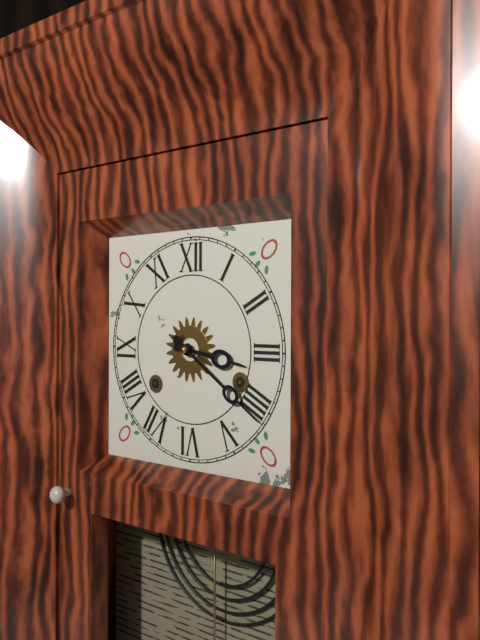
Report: 3 h 21 min
